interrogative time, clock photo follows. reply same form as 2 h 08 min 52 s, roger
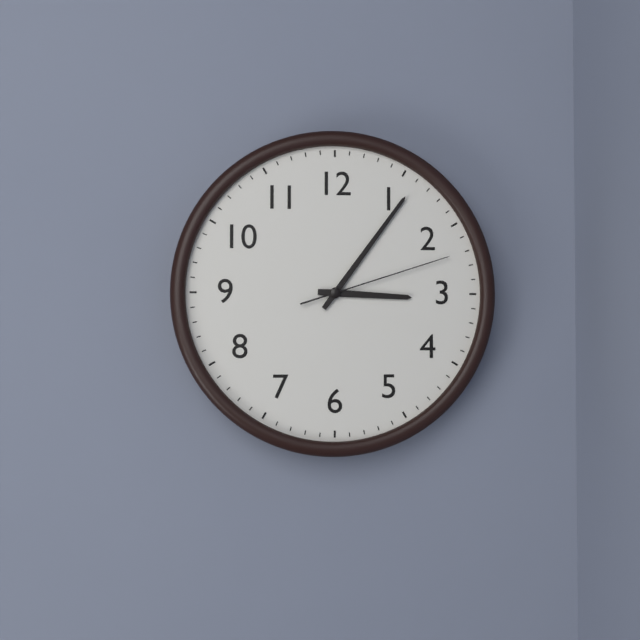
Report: 3 h 06 min 12 s
